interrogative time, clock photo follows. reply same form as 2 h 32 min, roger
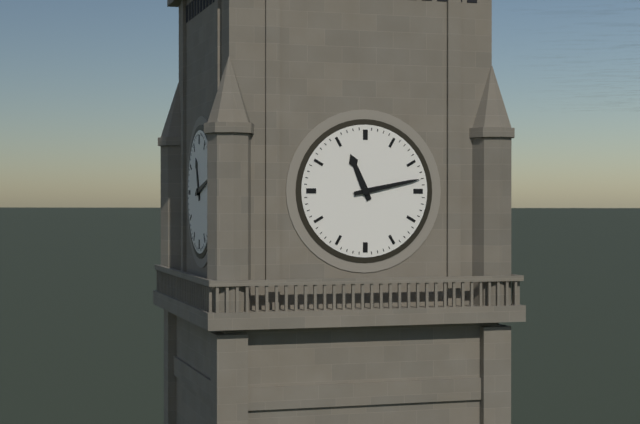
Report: 11 h 13 min
